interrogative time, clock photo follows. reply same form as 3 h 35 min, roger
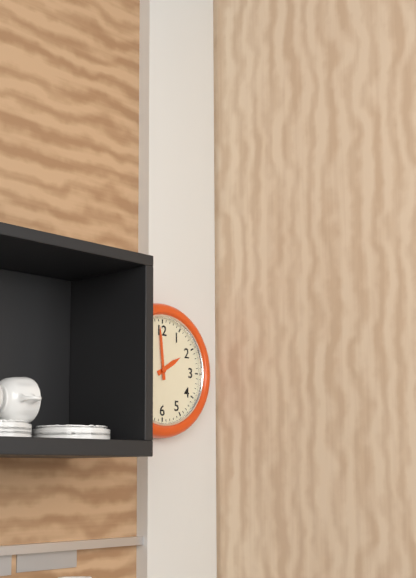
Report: 1 h 59 min
